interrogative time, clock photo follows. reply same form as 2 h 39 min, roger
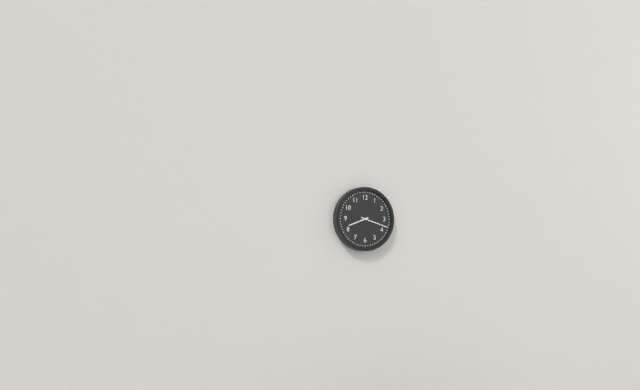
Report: 8 h 18 min
